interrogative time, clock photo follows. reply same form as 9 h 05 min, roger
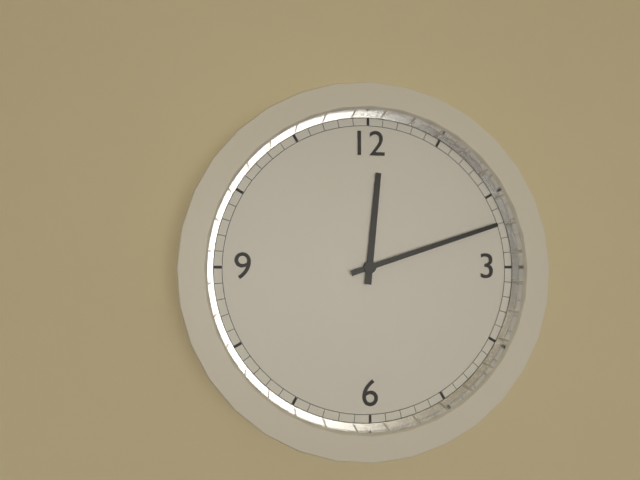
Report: 12 h 12 min
